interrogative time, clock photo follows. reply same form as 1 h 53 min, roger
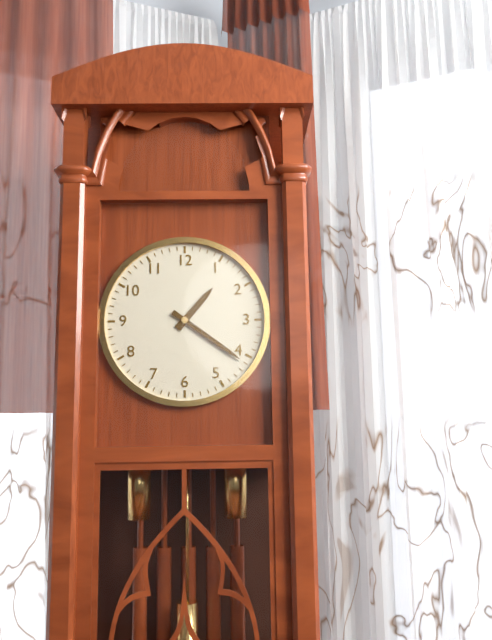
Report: 1 h 21 min
